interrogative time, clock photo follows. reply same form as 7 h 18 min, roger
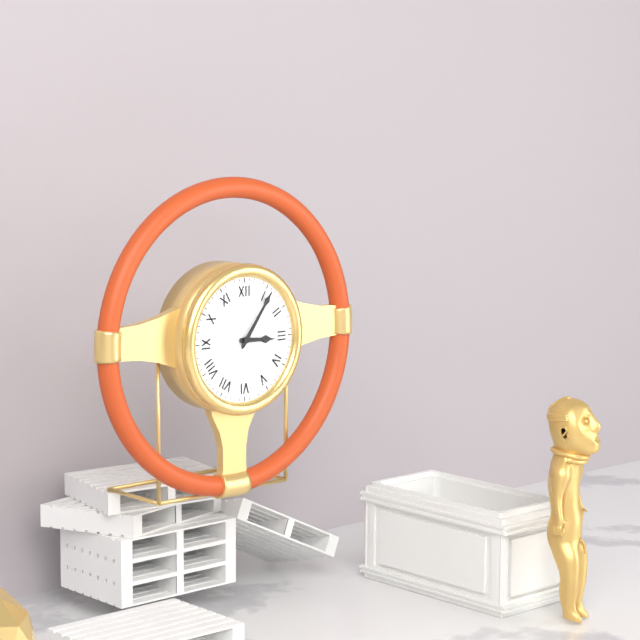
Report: 3 h 06 min
